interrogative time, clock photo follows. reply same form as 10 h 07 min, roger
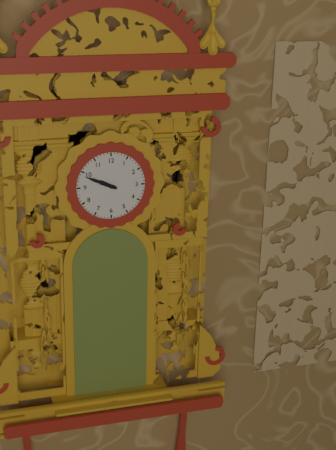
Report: 9 h 49 min
